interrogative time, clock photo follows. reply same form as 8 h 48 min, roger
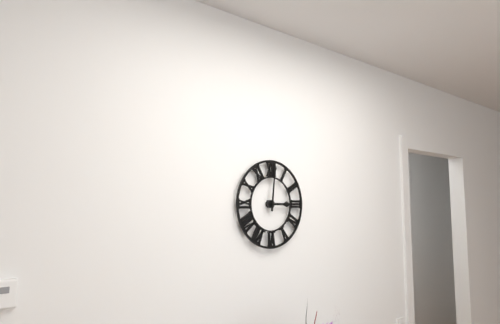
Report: 3 h 01 min
